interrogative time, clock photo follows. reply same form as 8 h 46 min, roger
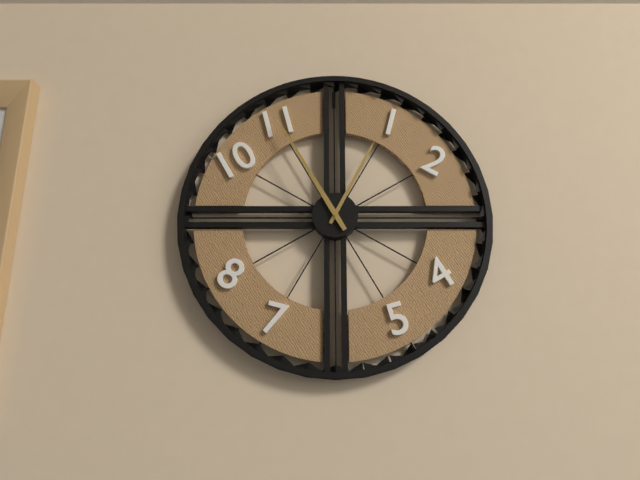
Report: 12 h 55 min
